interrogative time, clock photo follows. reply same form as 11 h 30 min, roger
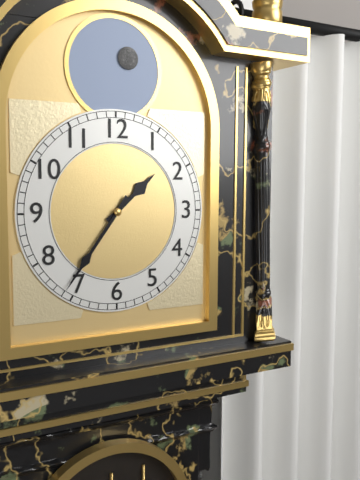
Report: 1 h 36 min
